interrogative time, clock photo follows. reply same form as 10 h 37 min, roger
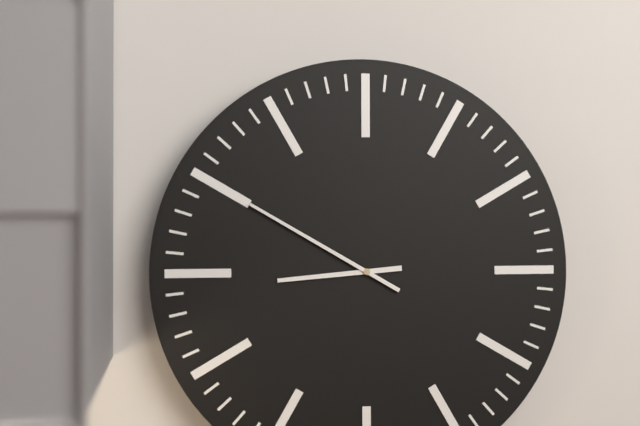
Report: 8 h 50 min
